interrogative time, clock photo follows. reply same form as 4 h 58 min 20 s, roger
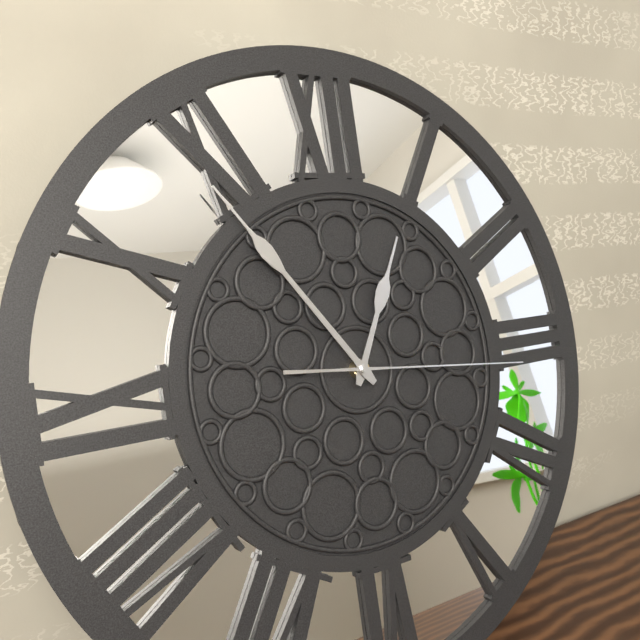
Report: 12 h 54 min 16 s
